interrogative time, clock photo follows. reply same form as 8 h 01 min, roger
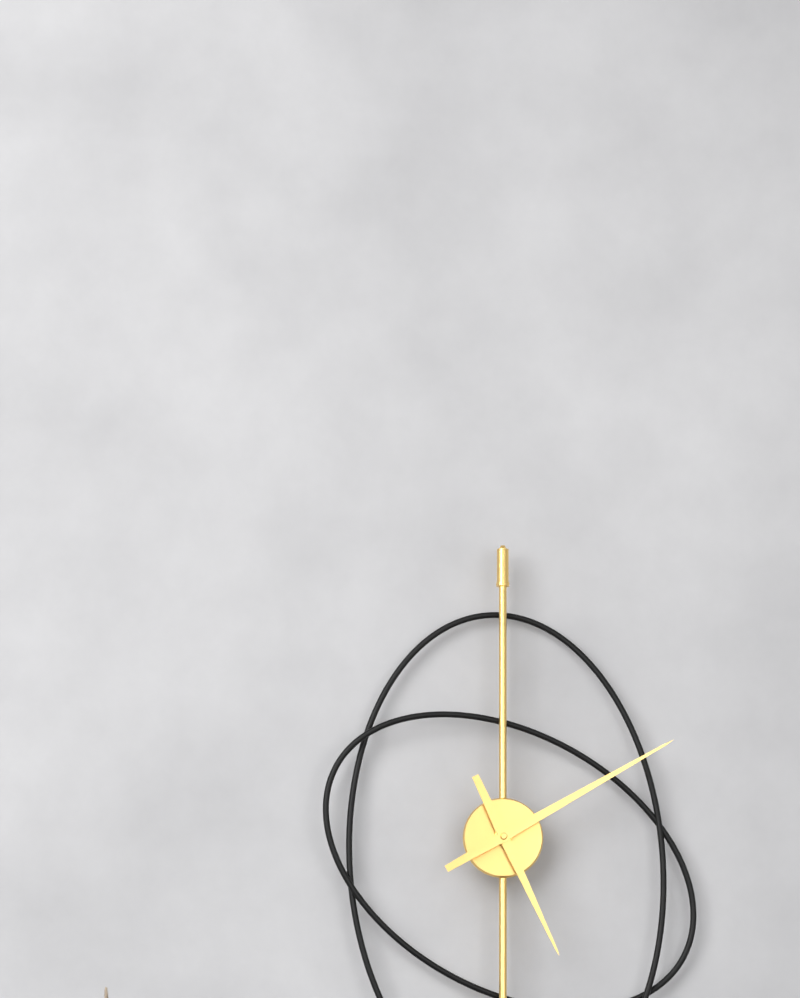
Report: 5 h 10 min
